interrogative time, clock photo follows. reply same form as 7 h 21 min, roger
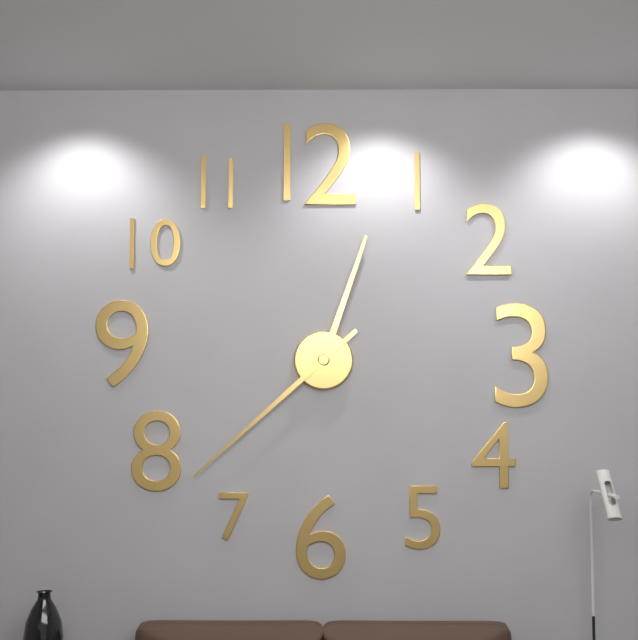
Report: 12 h 38 min
